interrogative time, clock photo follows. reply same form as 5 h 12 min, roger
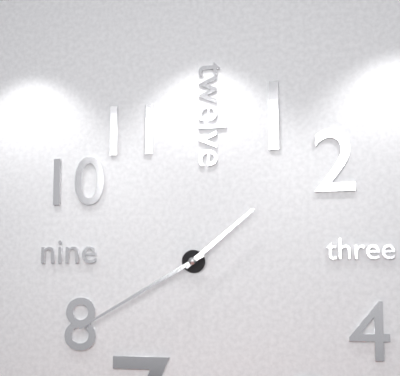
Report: 1 h 40 min
